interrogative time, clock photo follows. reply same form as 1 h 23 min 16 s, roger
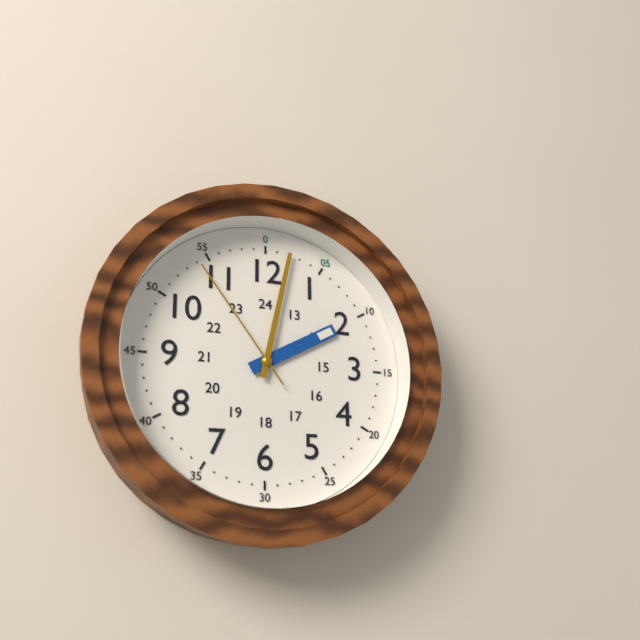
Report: 2 h 02 min 54 s
